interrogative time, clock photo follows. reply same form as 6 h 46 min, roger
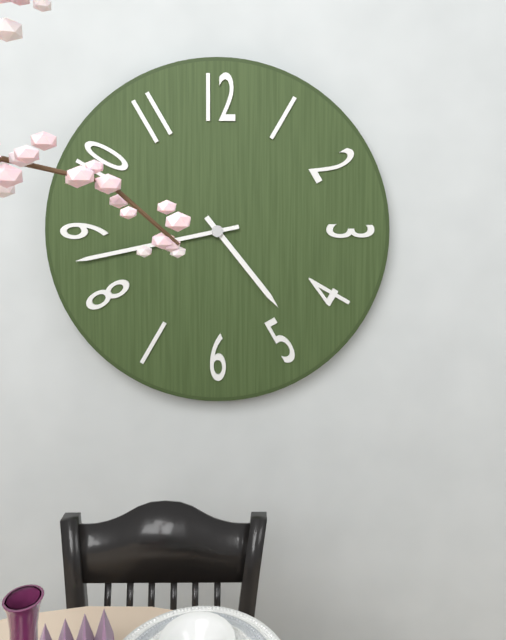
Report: 4 h 43 min
